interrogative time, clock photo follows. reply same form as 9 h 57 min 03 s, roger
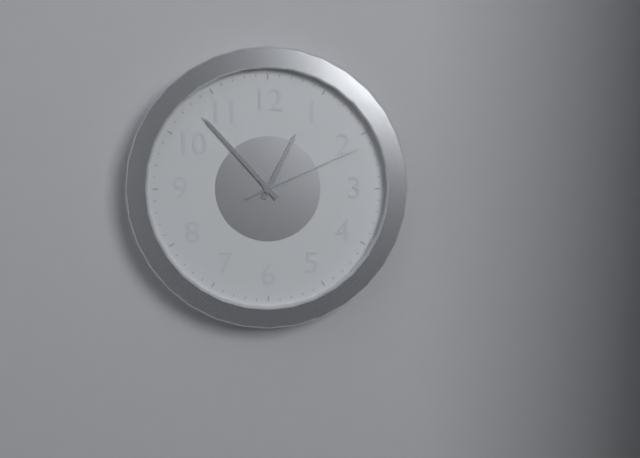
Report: 12 h 53 min 11 s
